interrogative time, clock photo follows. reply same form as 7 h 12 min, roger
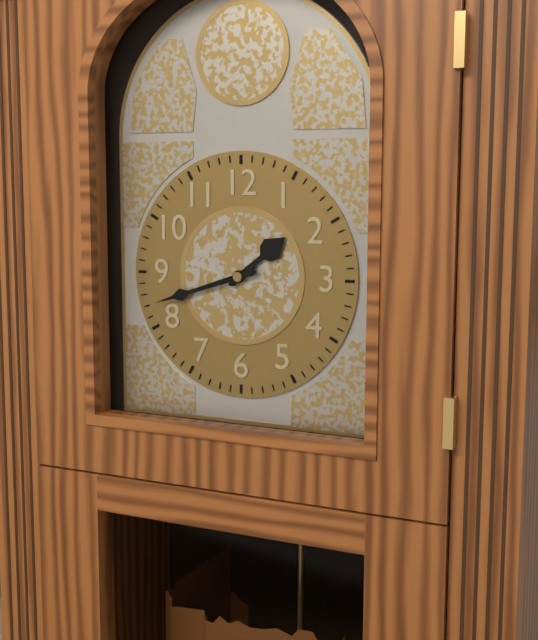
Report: 1 h 42 min
